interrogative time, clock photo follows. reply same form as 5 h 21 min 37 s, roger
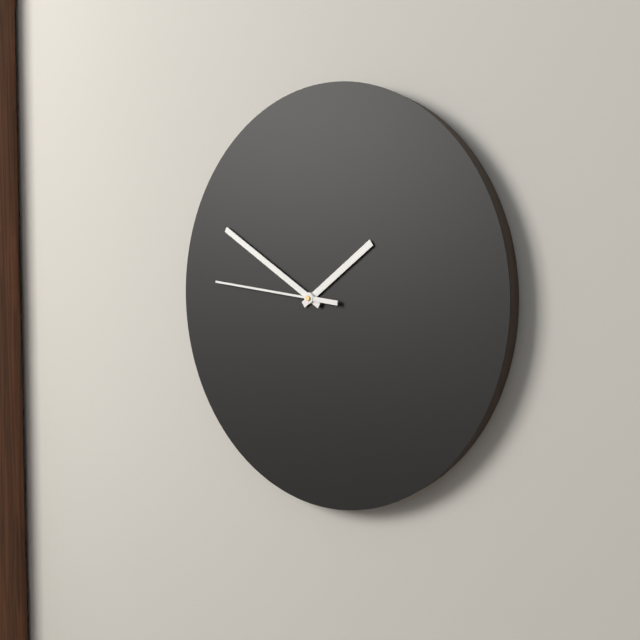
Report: 1 h 50 min 46 s
